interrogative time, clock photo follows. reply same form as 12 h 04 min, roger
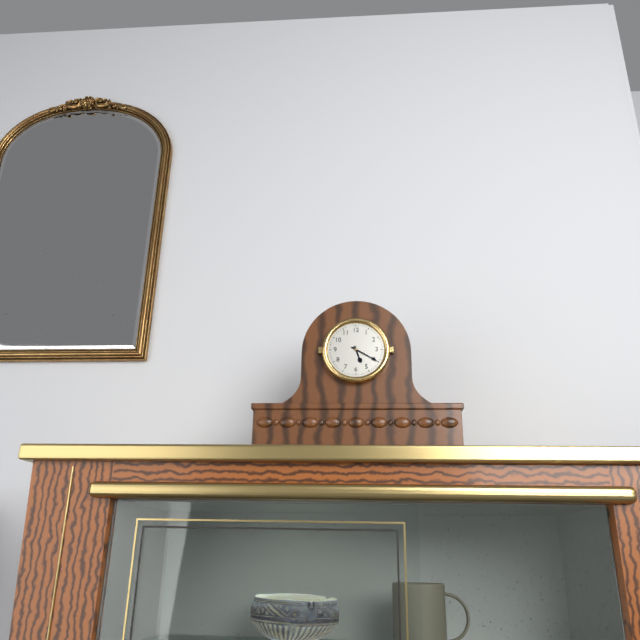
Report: 5 h 20 min
